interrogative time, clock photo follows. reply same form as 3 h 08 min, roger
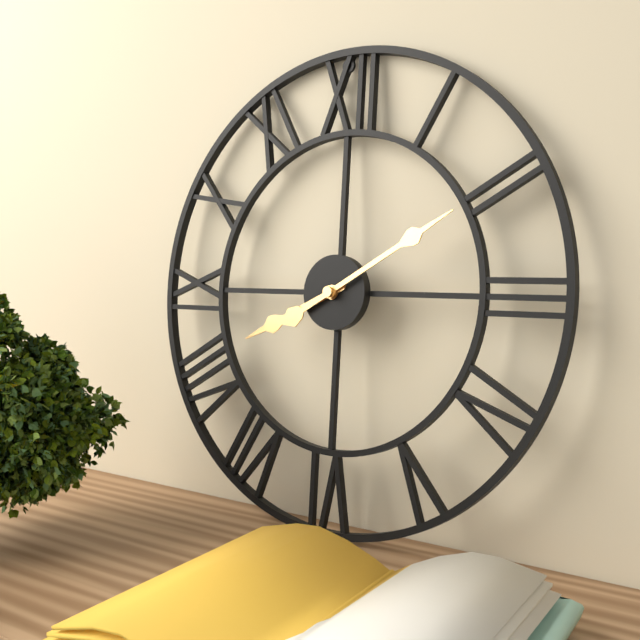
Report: 8 h 10 min
